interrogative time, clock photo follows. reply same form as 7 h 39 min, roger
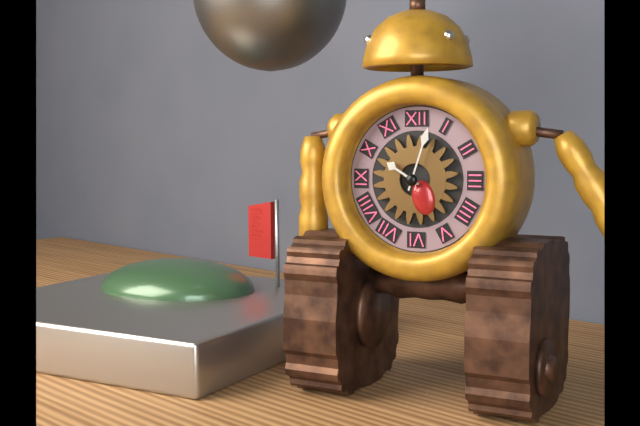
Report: 10 h 03 min
